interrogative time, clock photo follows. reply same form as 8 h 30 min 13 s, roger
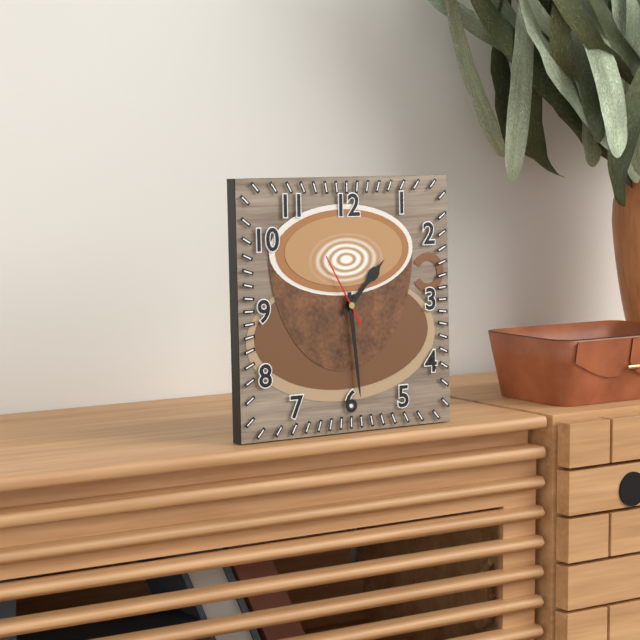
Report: 1 h 29 min 55 s
